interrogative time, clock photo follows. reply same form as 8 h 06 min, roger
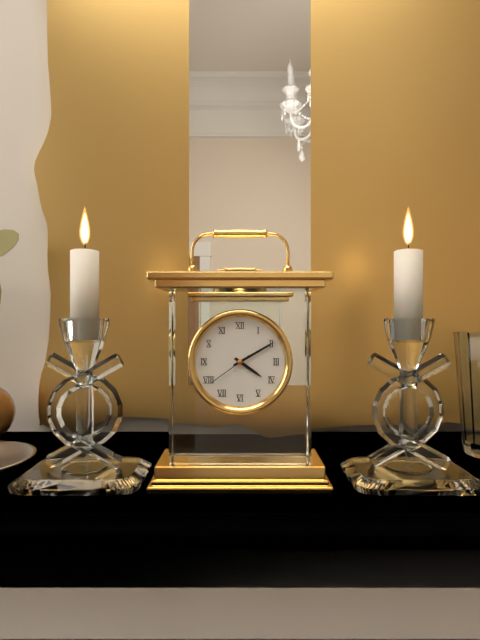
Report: 4 h 10 min
